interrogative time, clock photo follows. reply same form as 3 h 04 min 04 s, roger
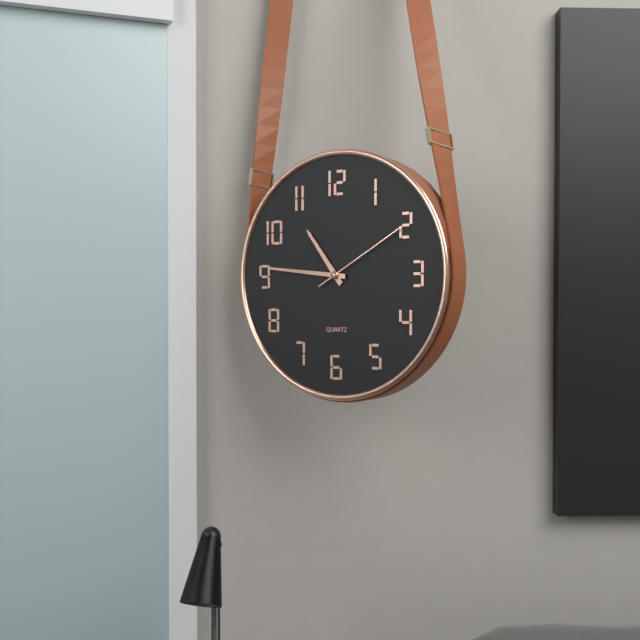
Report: 10 h 46 min 10 s
